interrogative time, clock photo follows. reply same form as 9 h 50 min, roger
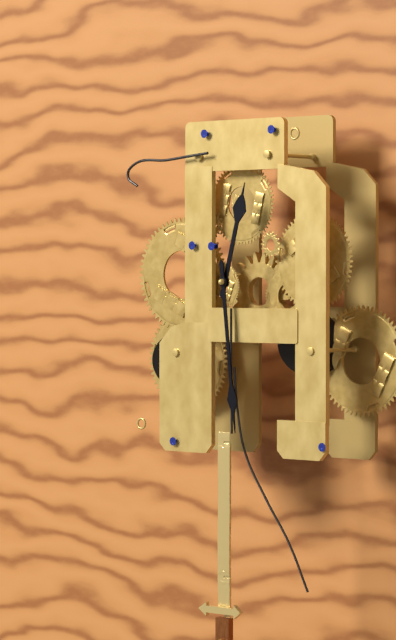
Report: 12 h 29 min
